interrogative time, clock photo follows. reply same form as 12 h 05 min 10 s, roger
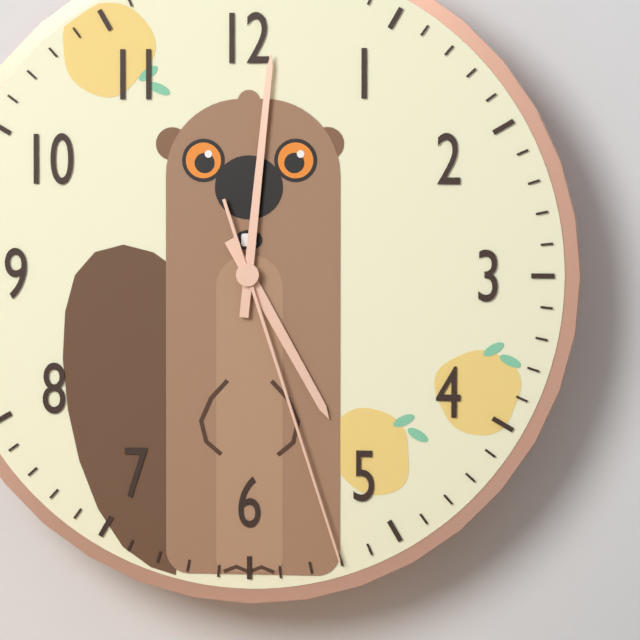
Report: 5 h 01 min 27 s
